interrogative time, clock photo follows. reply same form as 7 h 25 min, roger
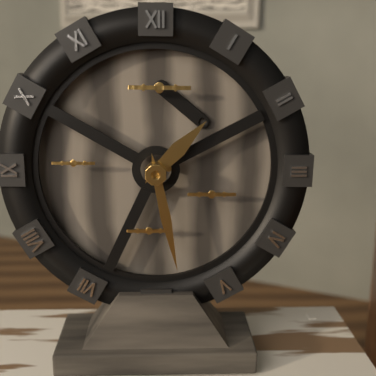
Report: 1 h 28 min
